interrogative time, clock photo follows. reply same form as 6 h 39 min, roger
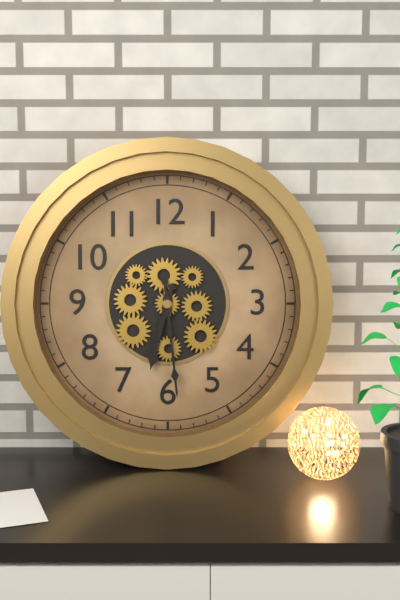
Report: 6 h 29 min
